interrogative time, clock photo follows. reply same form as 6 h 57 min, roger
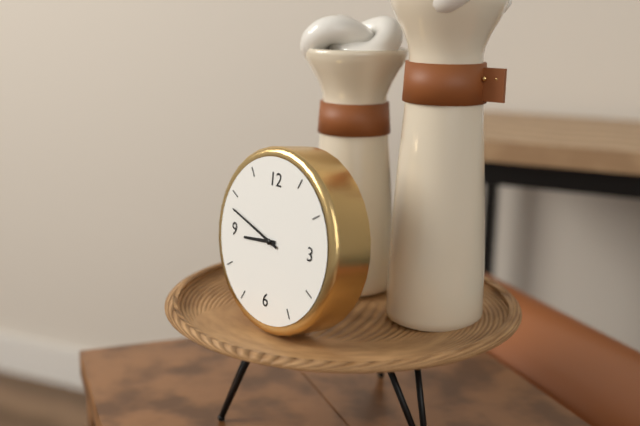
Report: 8 h 48 min
